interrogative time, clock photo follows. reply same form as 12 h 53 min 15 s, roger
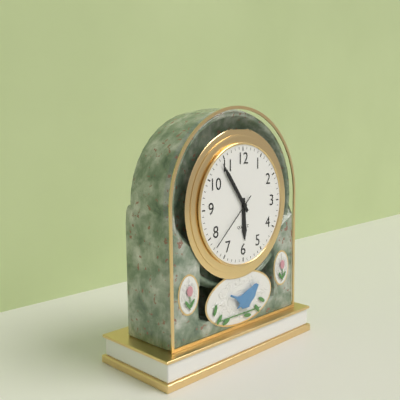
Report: 5 h 54 min 38 s
